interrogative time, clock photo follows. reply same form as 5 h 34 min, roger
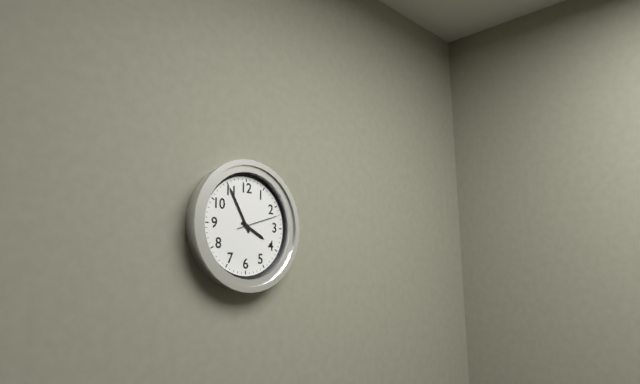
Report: 3 h 55 min
